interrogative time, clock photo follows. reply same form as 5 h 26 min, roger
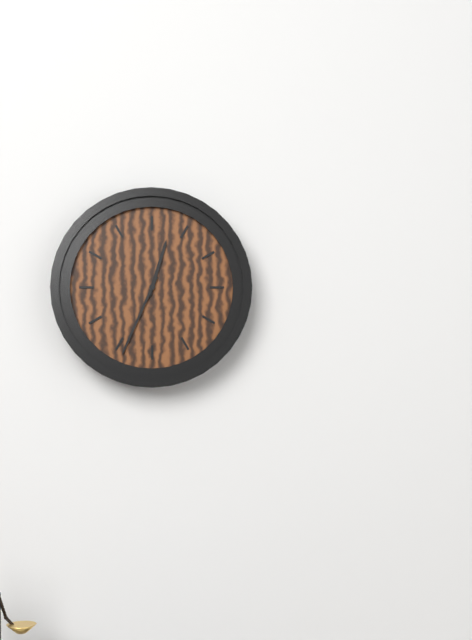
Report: 12 h 34 min
